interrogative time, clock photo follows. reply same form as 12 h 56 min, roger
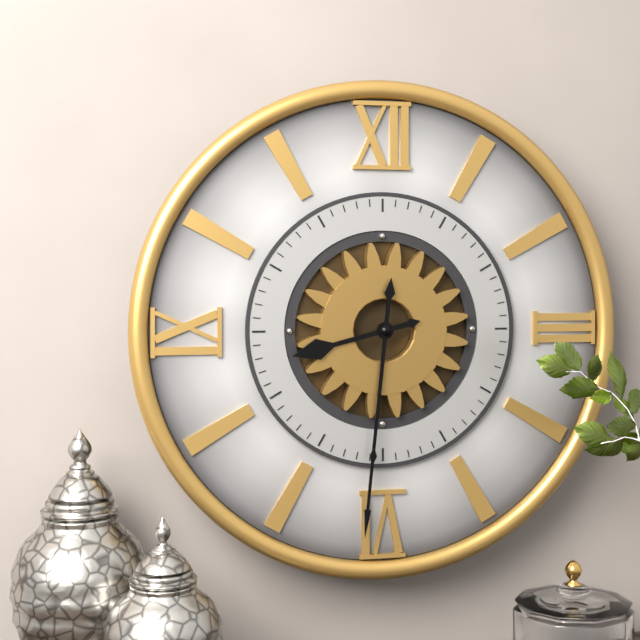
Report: 8 h 31 min
